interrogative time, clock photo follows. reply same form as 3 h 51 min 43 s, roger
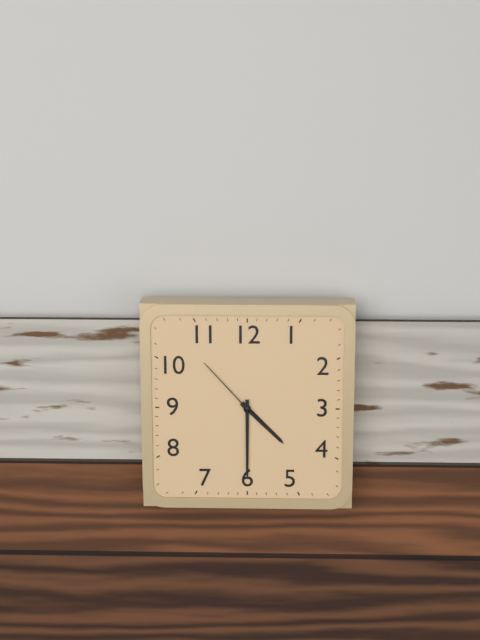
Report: 4 h 30 min 53 s
